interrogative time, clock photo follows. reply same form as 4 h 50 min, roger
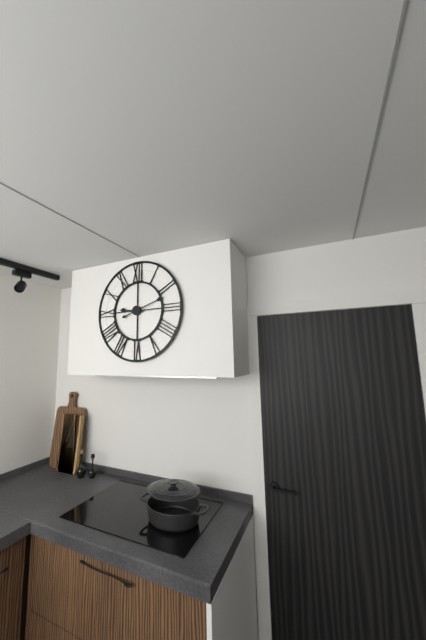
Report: 9 h 12 min
